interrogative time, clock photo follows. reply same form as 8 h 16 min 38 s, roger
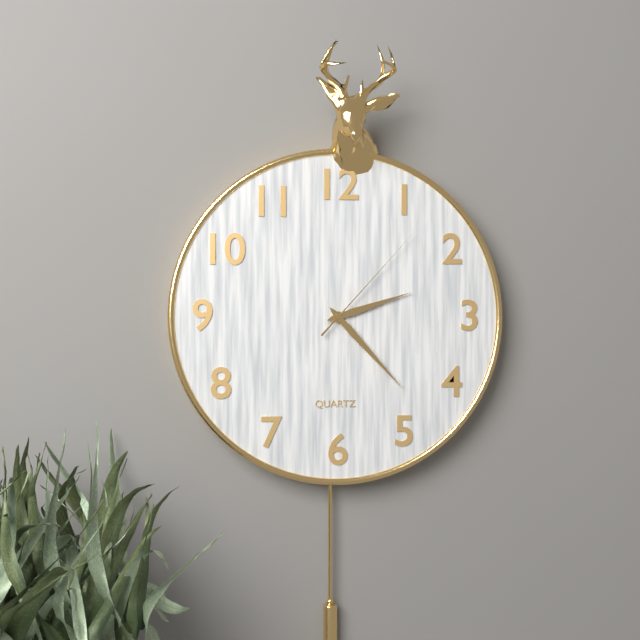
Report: 2 h 23 min 07 s
